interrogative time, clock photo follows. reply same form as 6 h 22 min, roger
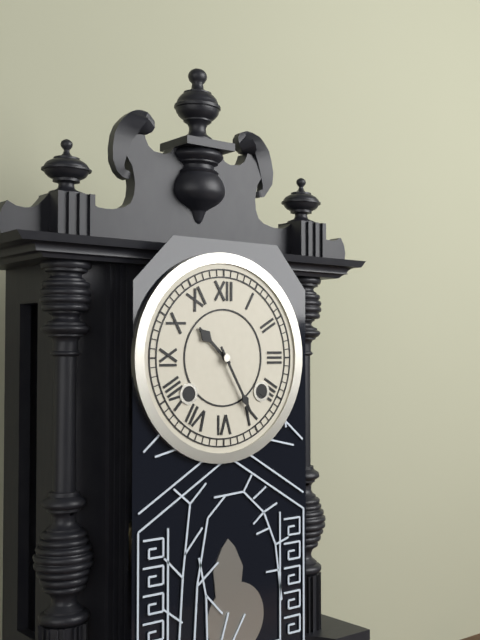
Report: 10 h 25 min
